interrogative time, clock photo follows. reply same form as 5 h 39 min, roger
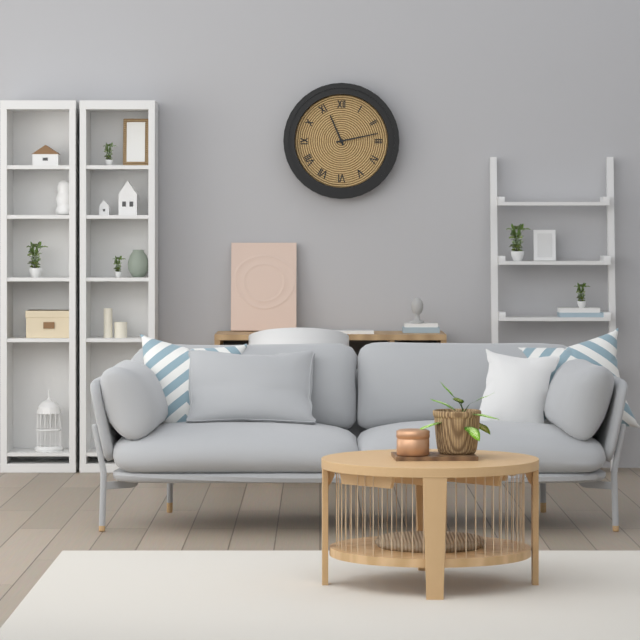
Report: 11 h 13 min
